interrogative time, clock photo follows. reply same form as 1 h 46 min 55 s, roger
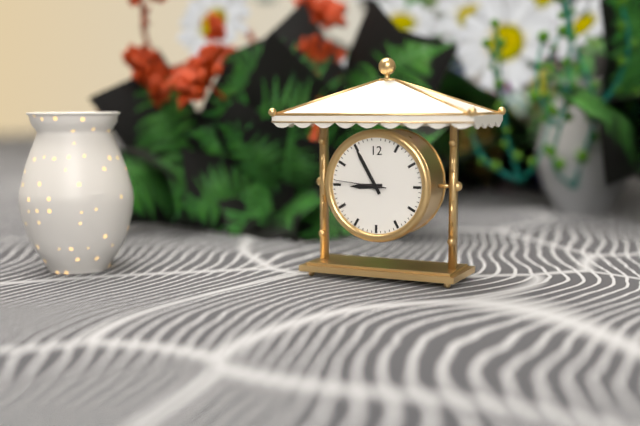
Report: 8 h 55 min 46 s
